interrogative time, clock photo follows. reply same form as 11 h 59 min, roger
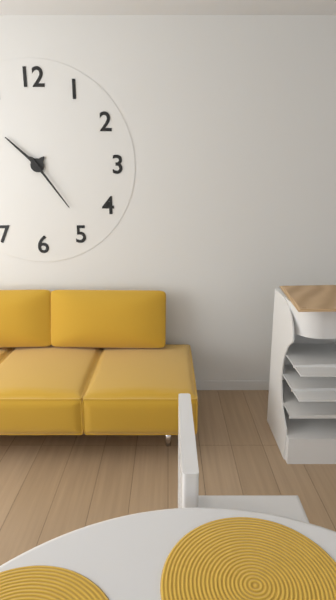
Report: 10 h 24 min
